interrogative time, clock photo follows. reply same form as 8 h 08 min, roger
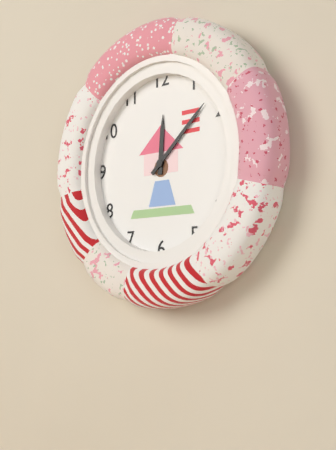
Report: 12 h 08 min
